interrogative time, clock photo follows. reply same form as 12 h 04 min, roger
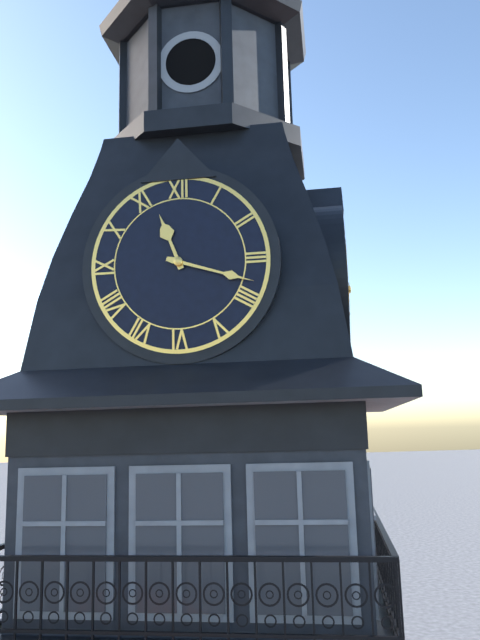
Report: 11 h 18 min
